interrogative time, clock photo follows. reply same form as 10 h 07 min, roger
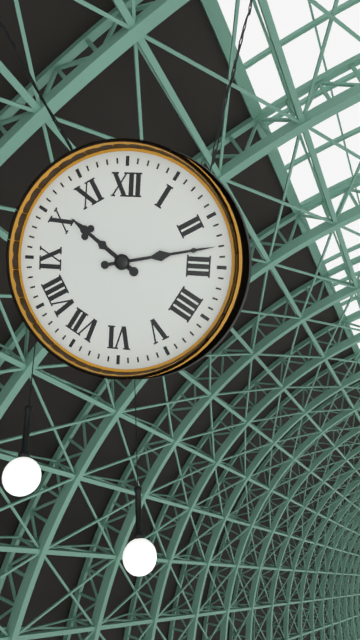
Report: 10 h 13 min
